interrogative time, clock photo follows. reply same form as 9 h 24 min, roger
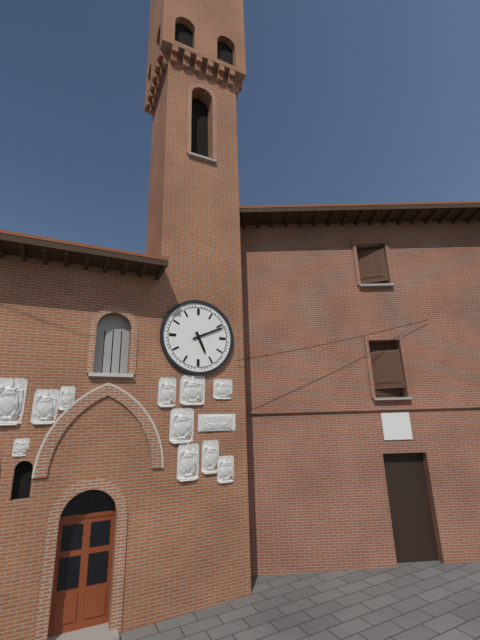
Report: 5 h 11 min
